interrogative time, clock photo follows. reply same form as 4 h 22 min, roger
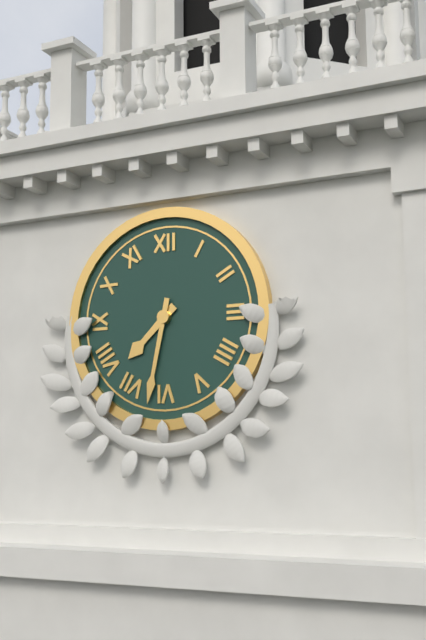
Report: 7 h 32 min
